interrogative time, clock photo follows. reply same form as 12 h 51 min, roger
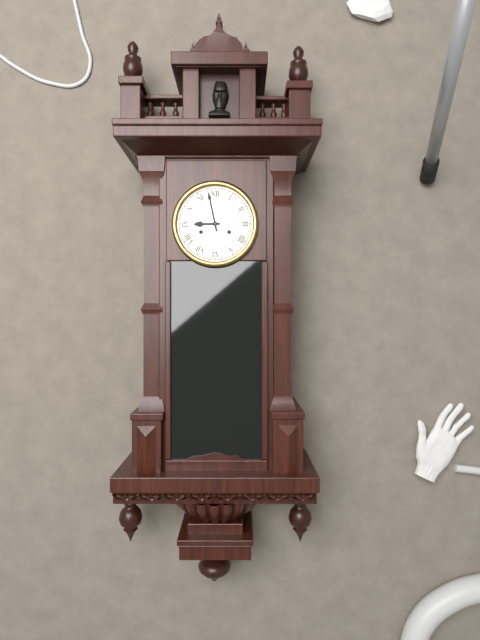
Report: 8 h 58 min
